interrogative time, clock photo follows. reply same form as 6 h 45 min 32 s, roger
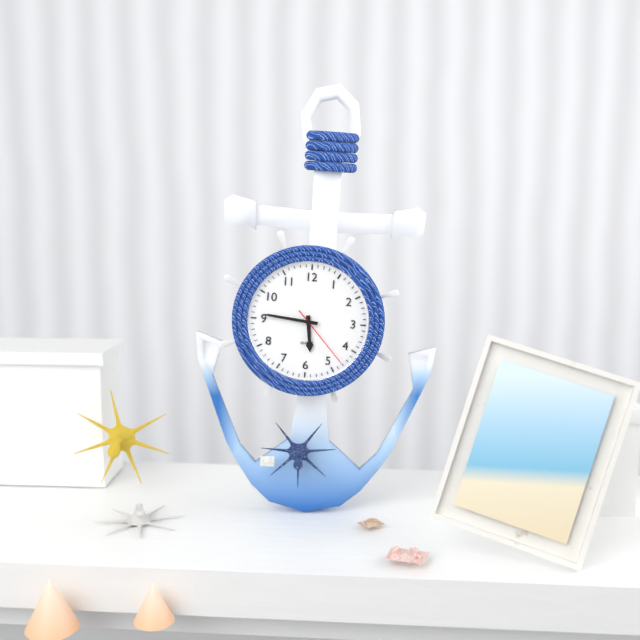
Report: 5 h 46 min 23 s
